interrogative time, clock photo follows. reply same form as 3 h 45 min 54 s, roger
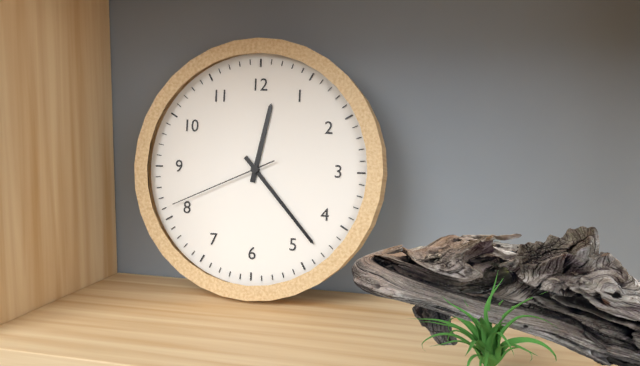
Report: 12 h 23 min 41 s
